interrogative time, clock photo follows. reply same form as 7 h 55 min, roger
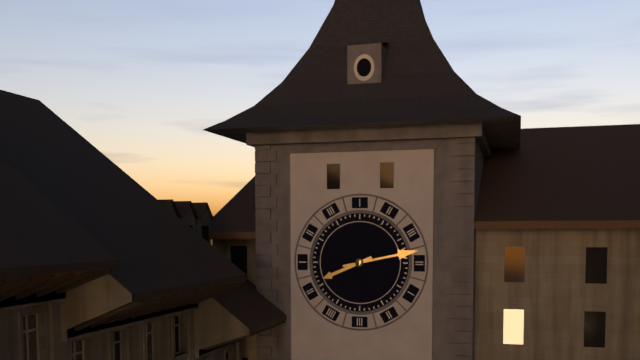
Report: 8 h 13 min
